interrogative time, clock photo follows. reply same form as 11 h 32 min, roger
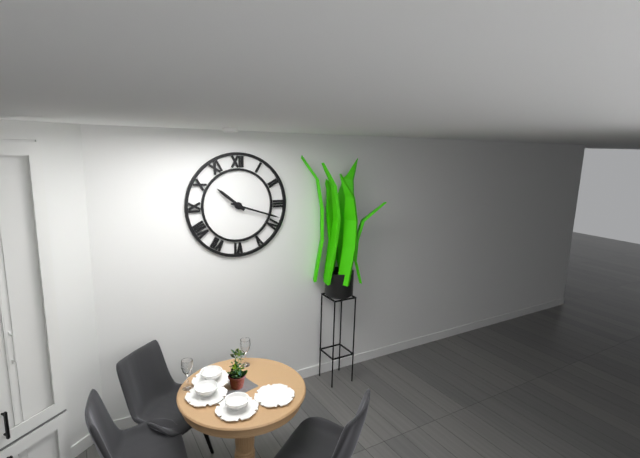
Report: 10 h 18 min
